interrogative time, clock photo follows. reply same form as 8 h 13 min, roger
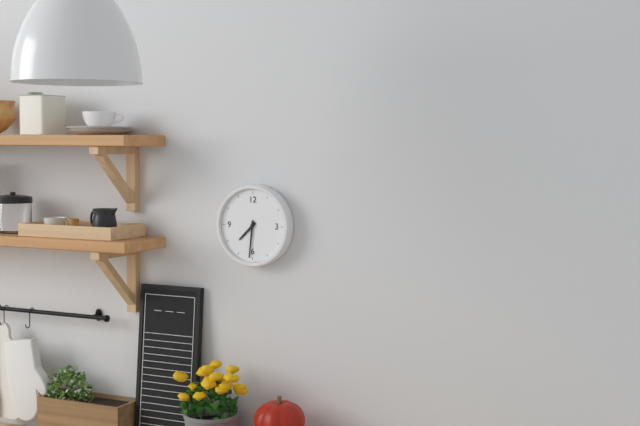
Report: 7 h 31 min
